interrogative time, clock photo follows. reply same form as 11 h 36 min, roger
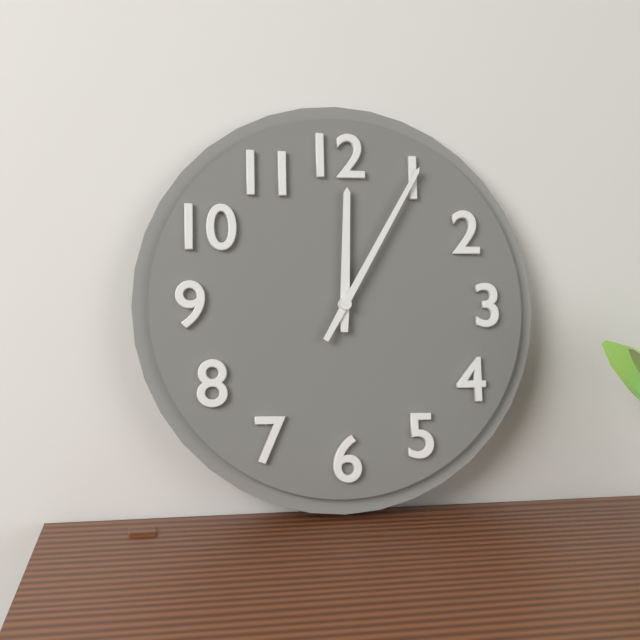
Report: 12 h 05 min
